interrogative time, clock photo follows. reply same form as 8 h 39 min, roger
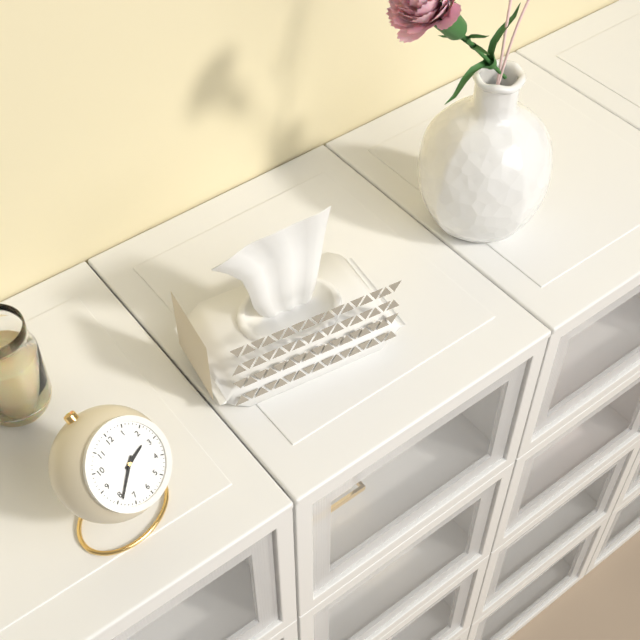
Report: 2 h 39 min
